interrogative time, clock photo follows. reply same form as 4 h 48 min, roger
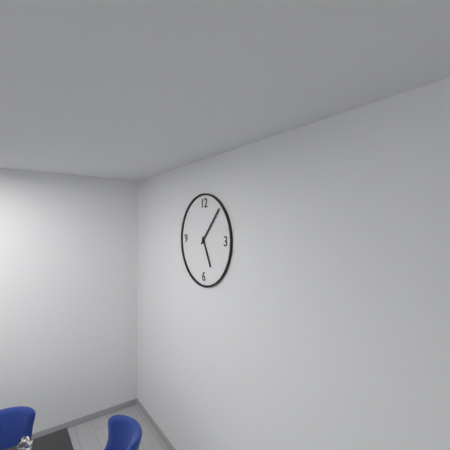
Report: 5 h 07 min
